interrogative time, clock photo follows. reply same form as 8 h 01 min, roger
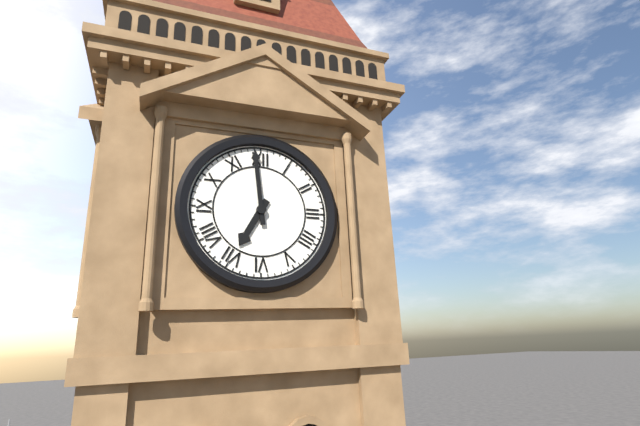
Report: 6 h 59 min
